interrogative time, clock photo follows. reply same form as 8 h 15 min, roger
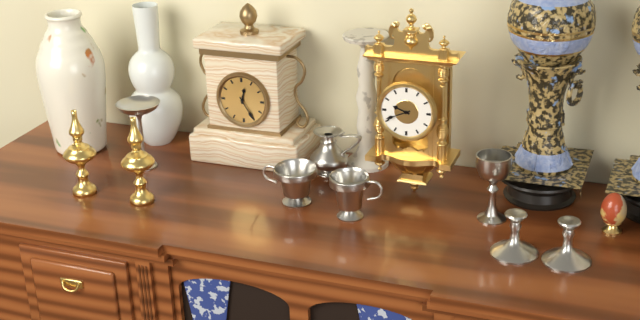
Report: 9 h 41 min
